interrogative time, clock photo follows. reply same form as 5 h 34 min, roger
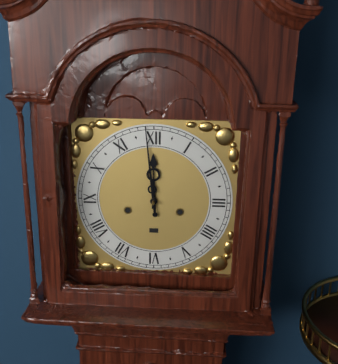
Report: 11 h 59 min
